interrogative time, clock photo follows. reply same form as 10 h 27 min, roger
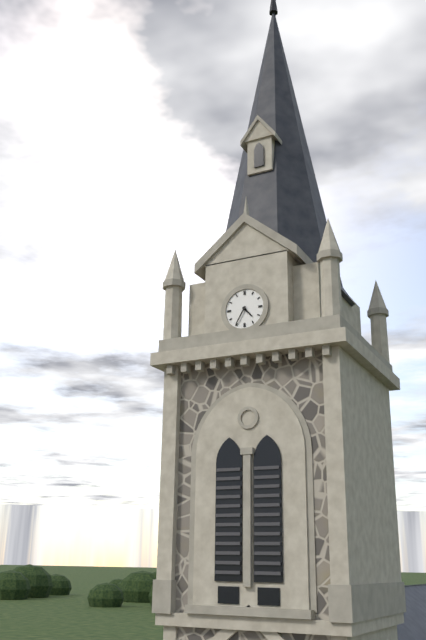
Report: 4 h 35 min
